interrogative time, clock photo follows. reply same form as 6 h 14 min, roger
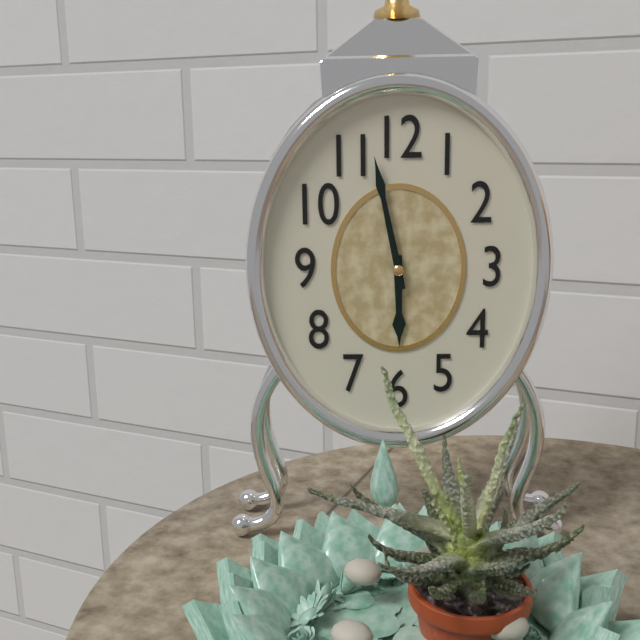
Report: 5 h 58 min
